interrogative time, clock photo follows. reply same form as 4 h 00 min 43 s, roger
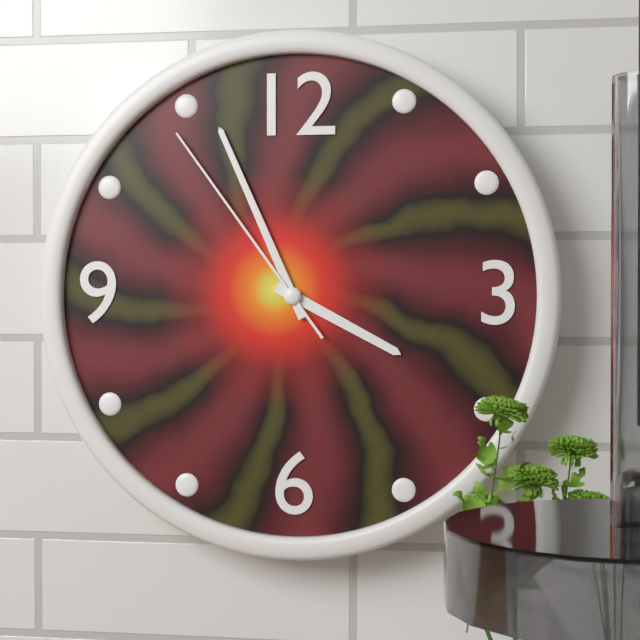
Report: 3 h 56 min 54 s
